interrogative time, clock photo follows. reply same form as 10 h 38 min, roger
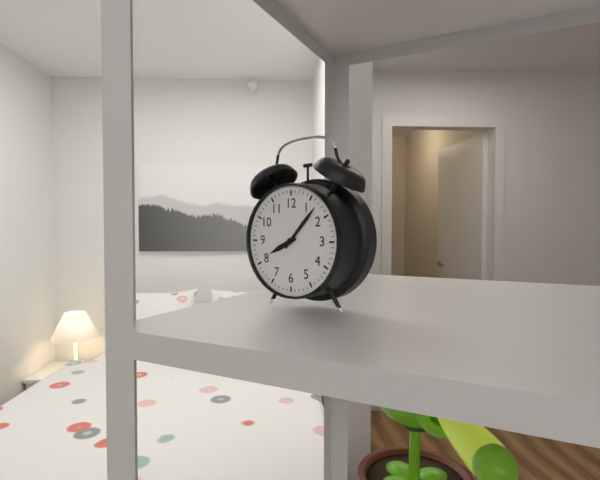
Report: 8 h 07 min
